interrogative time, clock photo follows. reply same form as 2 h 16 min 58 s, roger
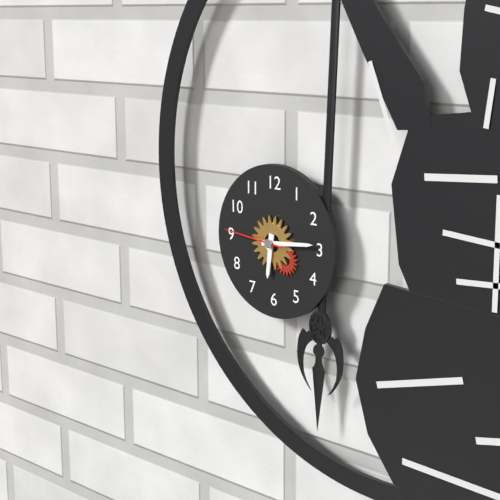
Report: 6 h 14 min 46 s
